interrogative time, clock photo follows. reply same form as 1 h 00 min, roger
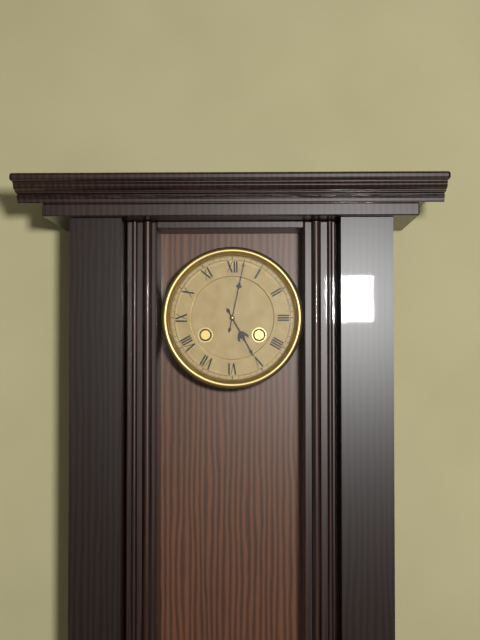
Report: 5 h 02 min
